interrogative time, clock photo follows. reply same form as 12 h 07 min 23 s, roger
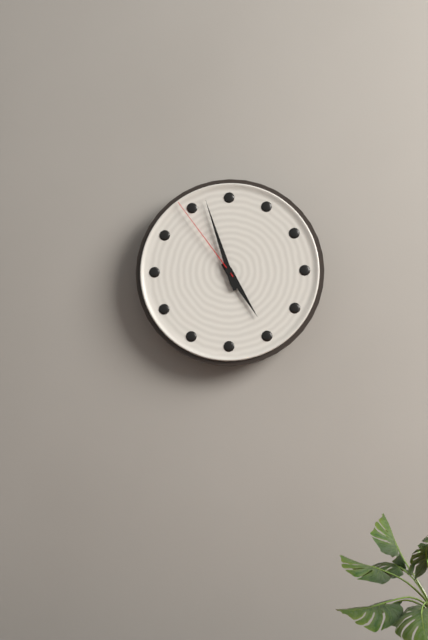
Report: 4 h 57 min 54 s
